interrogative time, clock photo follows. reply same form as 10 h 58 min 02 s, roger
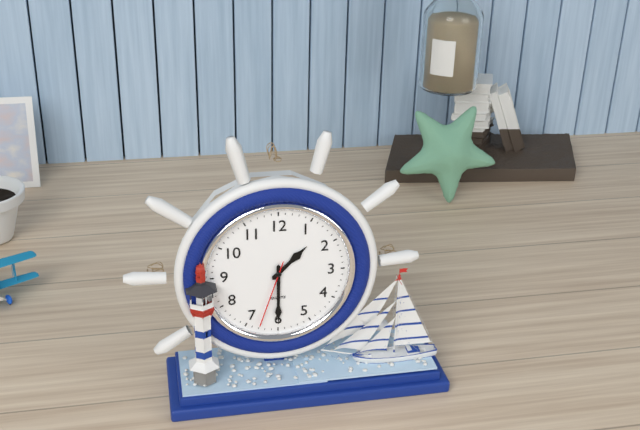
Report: 1 h 30 min 33 s
